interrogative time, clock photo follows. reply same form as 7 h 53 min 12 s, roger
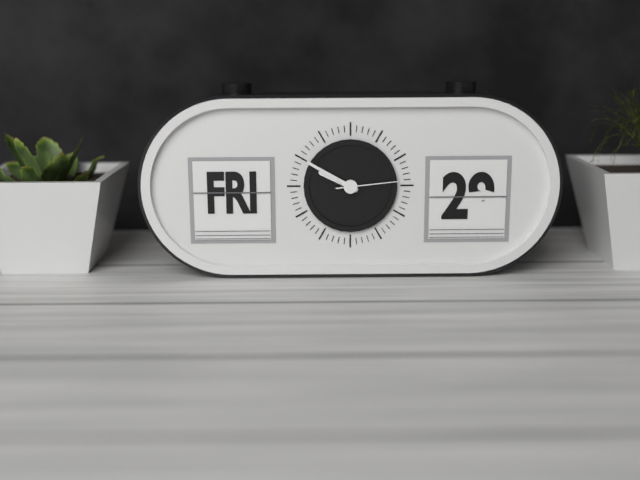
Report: 9 h 50 min 14 s
